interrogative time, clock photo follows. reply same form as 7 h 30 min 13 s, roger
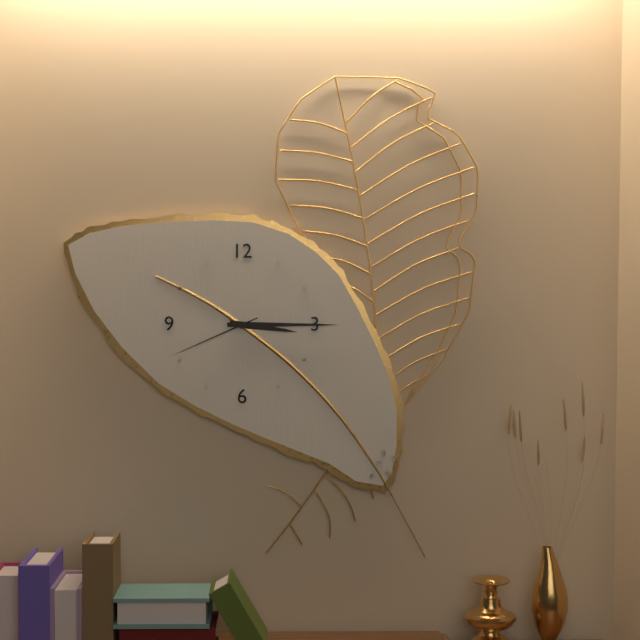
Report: 3 h 15 min 41 s
